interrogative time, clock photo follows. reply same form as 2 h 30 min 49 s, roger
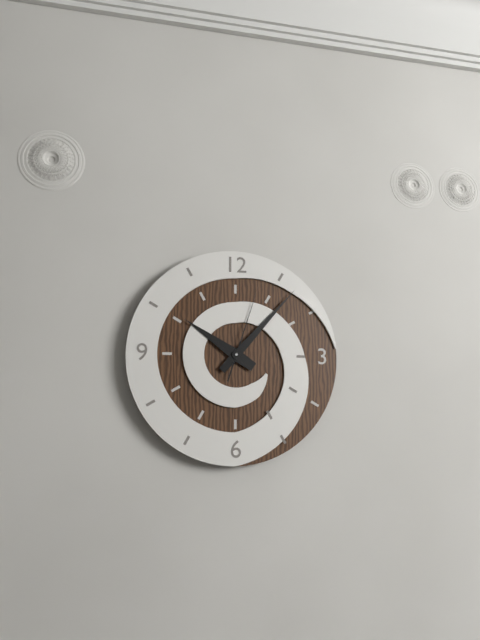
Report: 10 h 07 min 03 s
